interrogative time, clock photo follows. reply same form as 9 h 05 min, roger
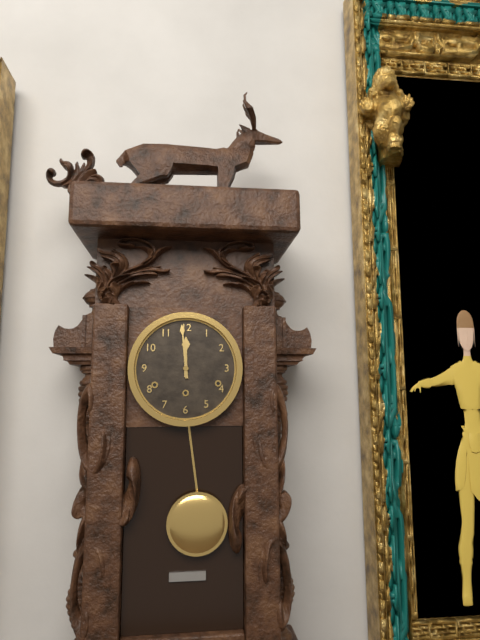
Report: 11 h 59 min
